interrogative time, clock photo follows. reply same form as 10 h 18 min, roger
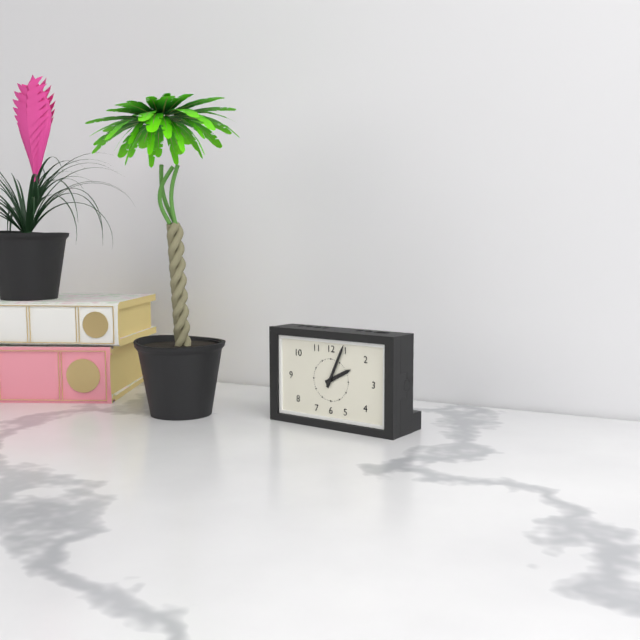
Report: 2 h 04 min
